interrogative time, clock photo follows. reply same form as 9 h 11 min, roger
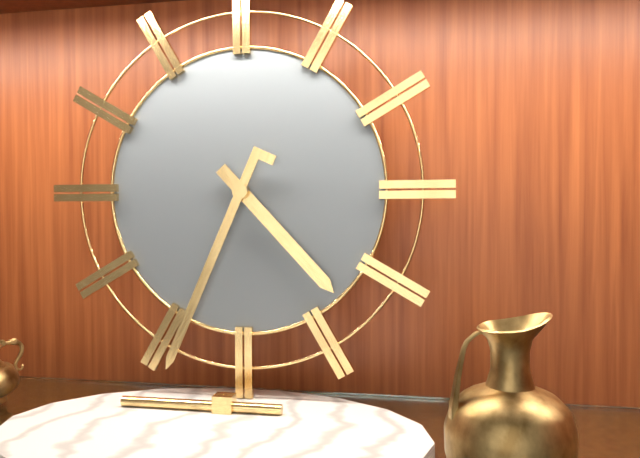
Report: 4 h 34 min
